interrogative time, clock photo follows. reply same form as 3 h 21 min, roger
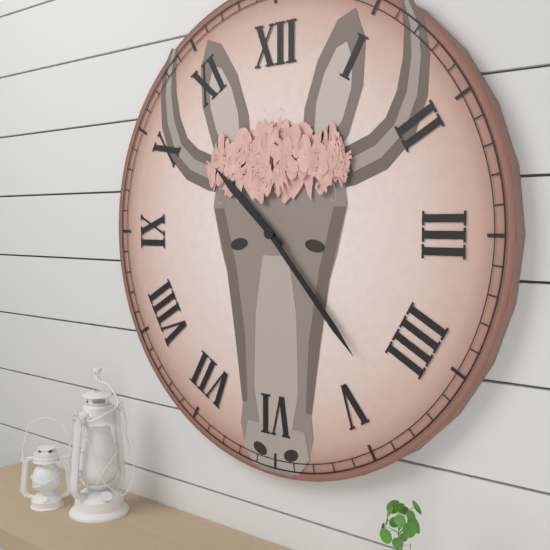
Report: 10 h 23 min
